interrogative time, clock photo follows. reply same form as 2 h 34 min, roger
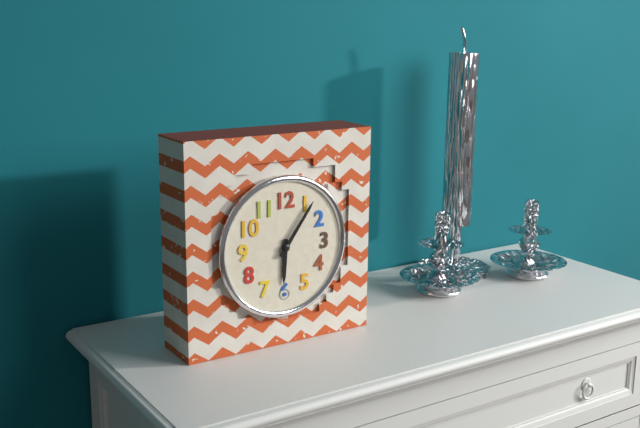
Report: 6 h 06 min
